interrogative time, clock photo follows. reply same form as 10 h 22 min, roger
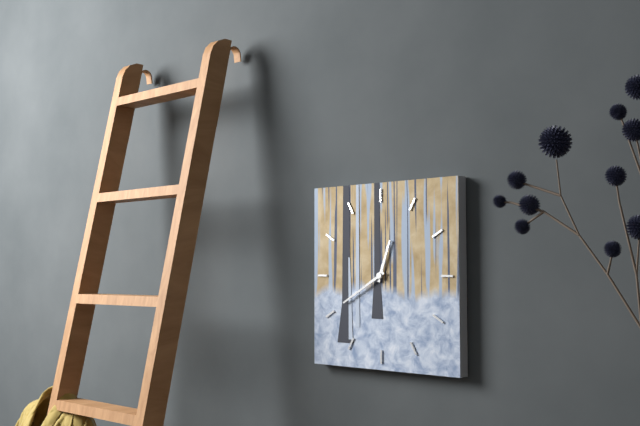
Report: 12 h 40 min
